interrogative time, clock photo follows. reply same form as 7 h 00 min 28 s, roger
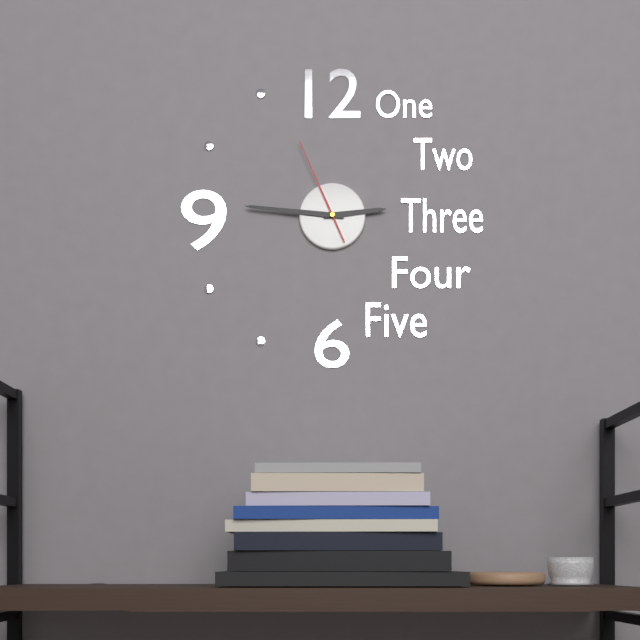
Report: 2 h 46 min 56 s
